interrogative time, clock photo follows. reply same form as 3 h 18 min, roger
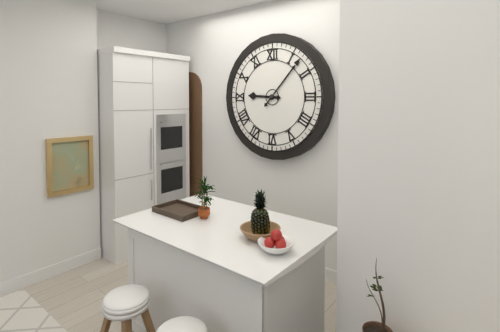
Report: 9 h 07 min
